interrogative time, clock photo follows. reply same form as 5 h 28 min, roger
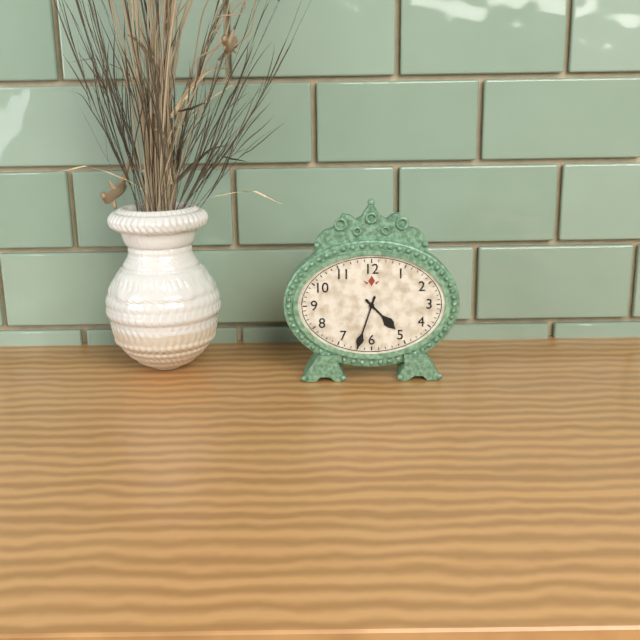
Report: 4 h 33 min
